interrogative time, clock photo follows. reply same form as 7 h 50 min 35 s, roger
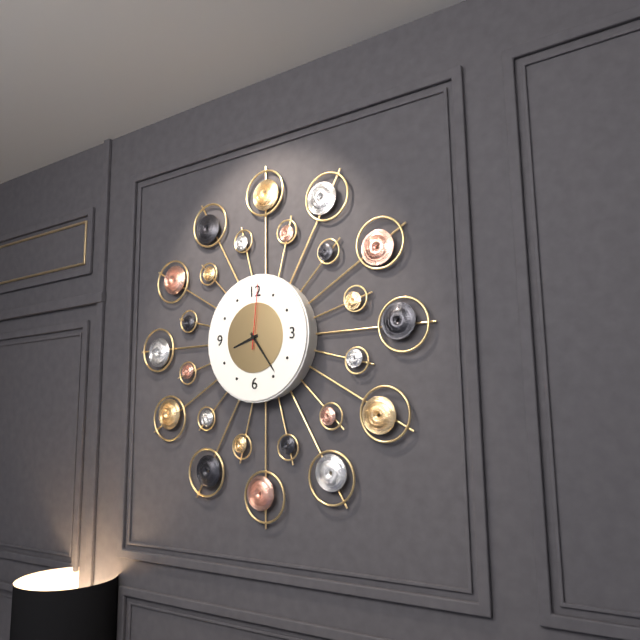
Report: 8 h 24 min 01 s
